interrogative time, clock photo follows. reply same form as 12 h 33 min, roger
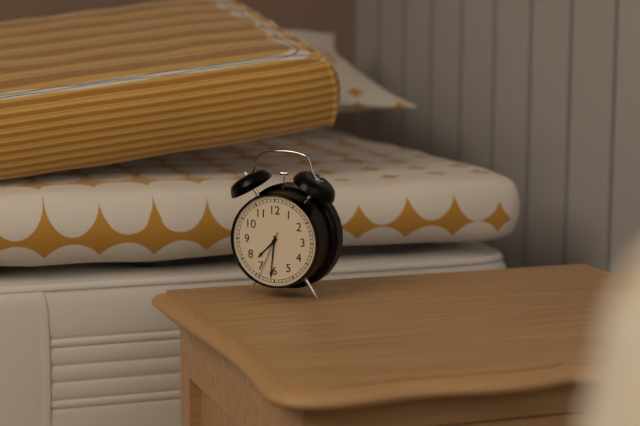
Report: 7 h 31 min
